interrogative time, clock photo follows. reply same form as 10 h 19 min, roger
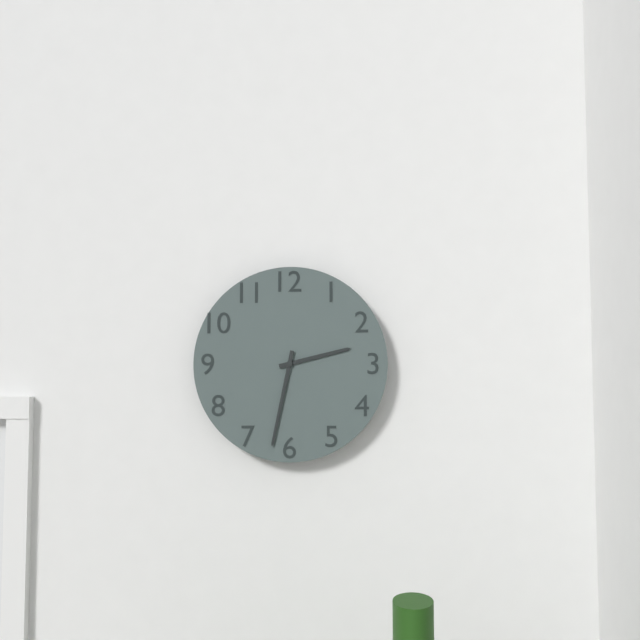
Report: 2 h 32 min
